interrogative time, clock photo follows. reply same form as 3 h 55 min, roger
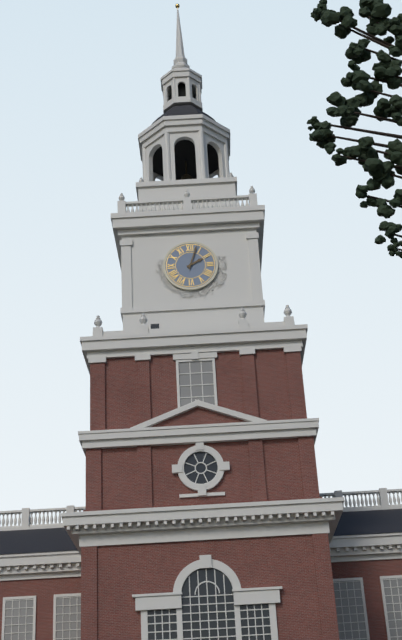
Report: 2 h 03 min
